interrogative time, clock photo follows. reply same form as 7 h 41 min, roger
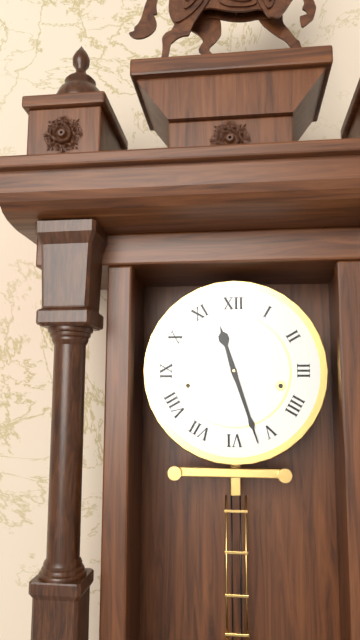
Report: 11 h 27 min
